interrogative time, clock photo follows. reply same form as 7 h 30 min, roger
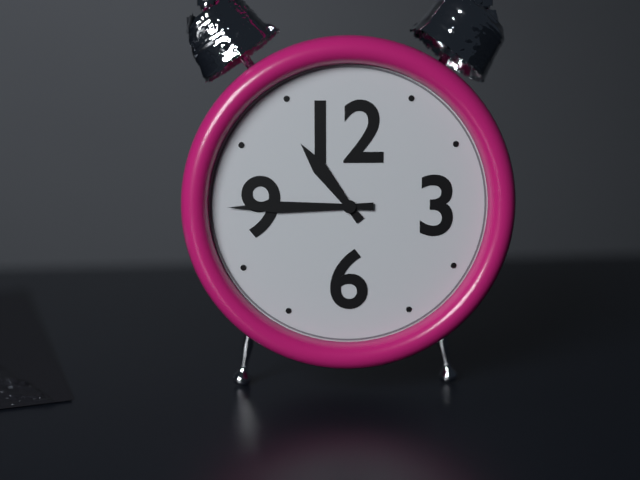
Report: 10 h 45 min
